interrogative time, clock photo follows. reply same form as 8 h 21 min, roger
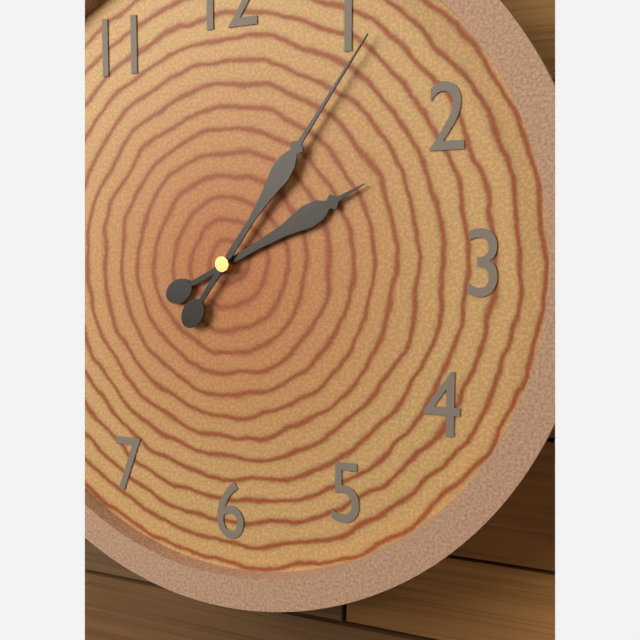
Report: 2 h 06 min
